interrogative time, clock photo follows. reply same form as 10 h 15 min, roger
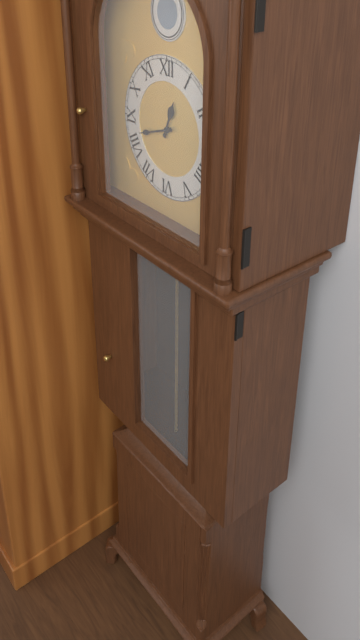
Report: 12 h 42 min
